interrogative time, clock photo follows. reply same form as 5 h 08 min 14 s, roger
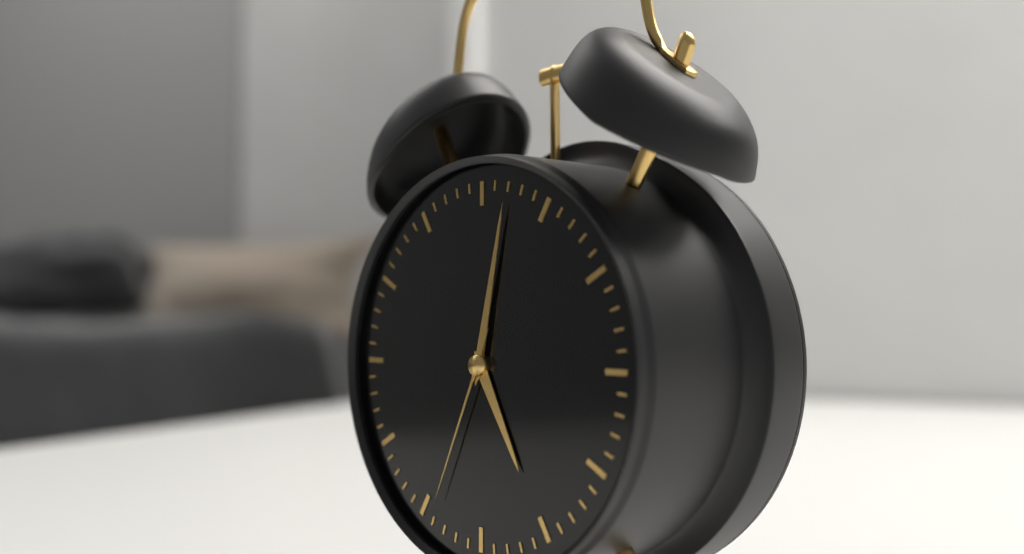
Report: 5 h 02 min 34 s
